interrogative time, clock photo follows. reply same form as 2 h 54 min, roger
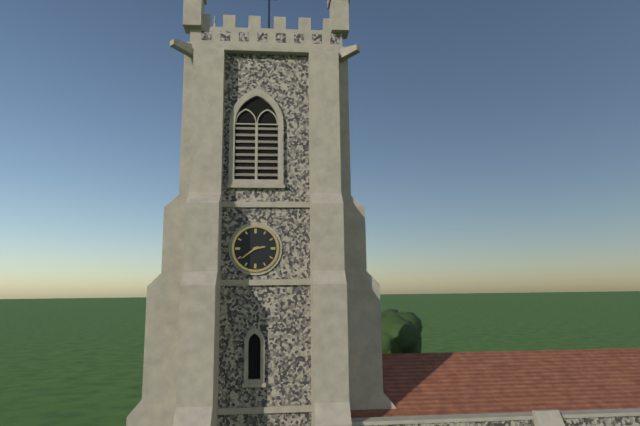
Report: 2 h 39 min
